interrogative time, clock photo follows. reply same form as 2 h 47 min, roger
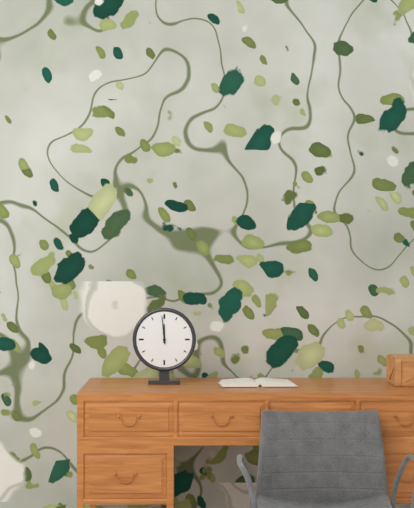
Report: 11 h 59 min
